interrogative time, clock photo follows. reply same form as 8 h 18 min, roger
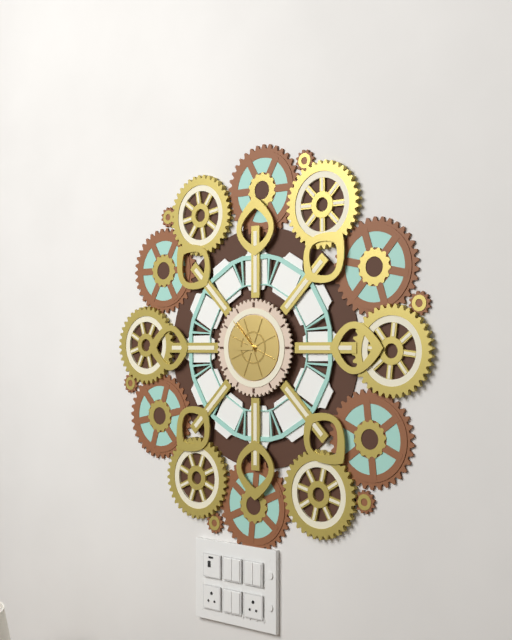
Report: 8 h 53 min
